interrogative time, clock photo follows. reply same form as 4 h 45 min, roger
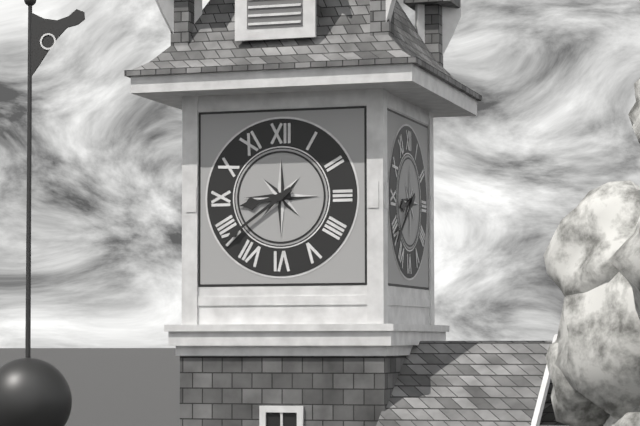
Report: 8 h 39 min
